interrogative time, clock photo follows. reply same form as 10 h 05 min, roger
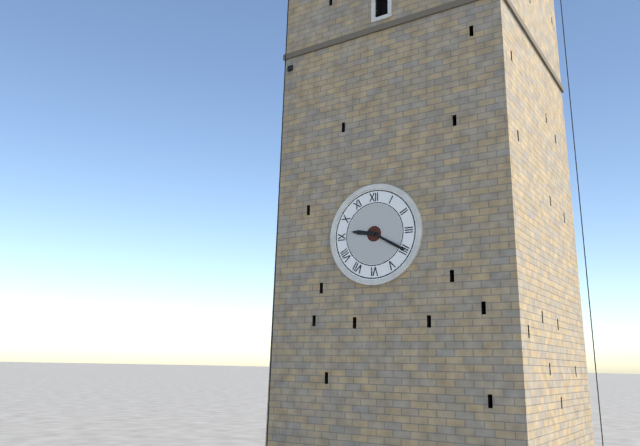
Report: 9 h 20 min
